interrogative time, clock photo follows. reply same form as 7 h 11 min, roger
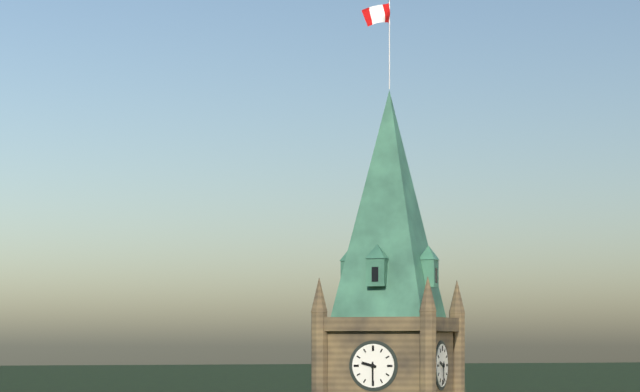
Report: 9 h 30 min
